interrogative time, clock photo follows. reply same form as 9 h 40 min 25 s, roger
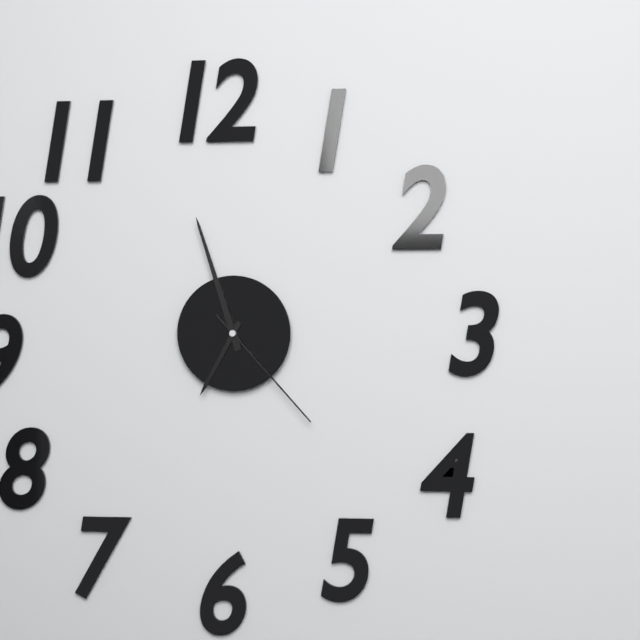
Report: 6 h 57 min 23 s
